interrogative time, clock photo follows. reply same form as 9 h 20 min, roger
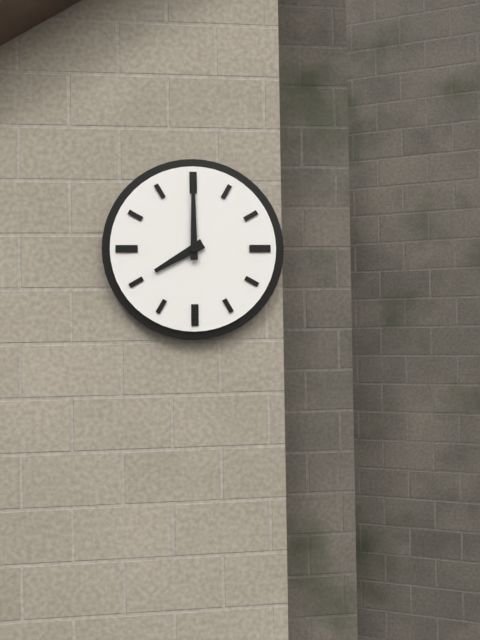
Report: 8 h 00 min
